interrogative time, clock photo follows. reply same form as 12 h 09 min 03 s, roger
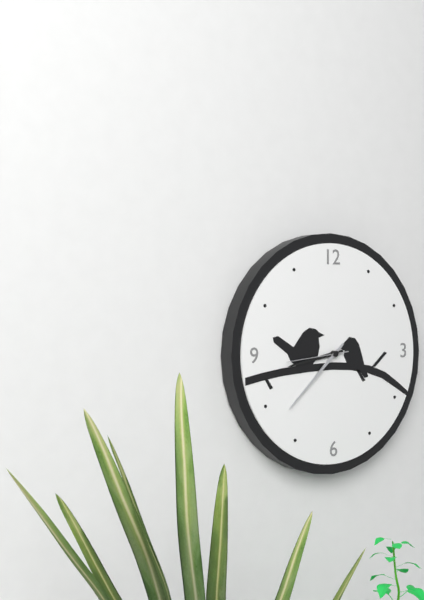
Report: 8 h 38 min 44 s
